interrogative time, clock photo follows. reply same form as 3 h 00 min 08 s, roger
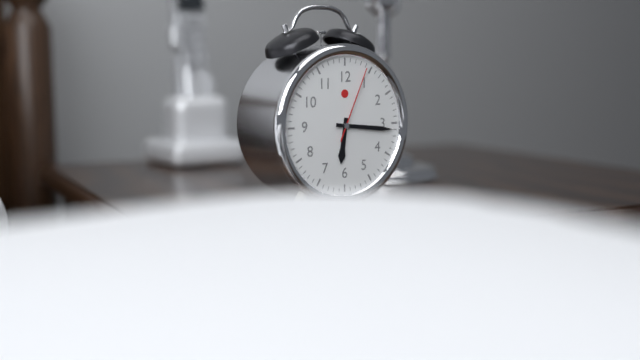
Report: 6 h 16 min 04 s
